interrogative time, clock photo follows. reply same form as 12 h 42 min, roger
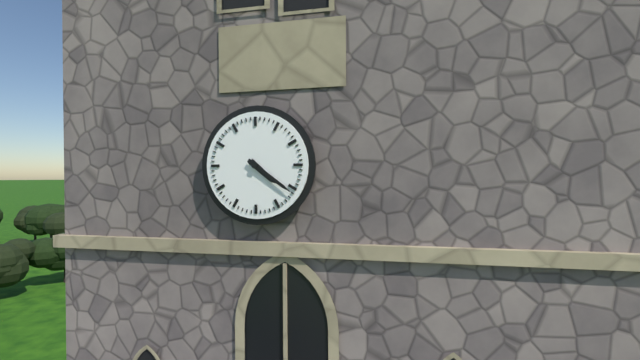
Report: 4 h 21 min
